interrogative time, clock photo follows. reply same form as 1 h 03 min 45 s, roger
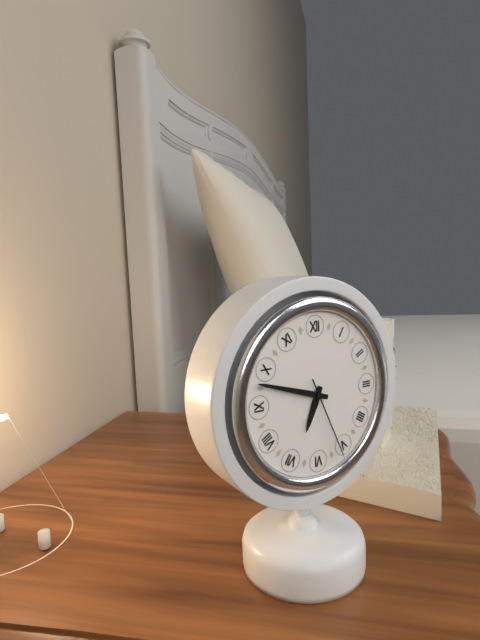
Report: 6 h 48 min 26 s
